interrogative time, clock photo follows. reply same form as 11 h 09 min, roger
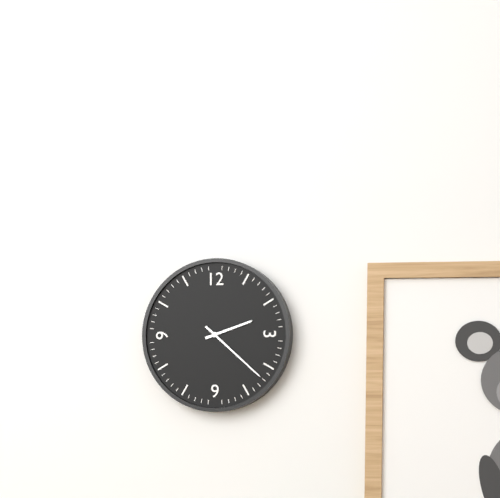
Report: 2 h 22 min
